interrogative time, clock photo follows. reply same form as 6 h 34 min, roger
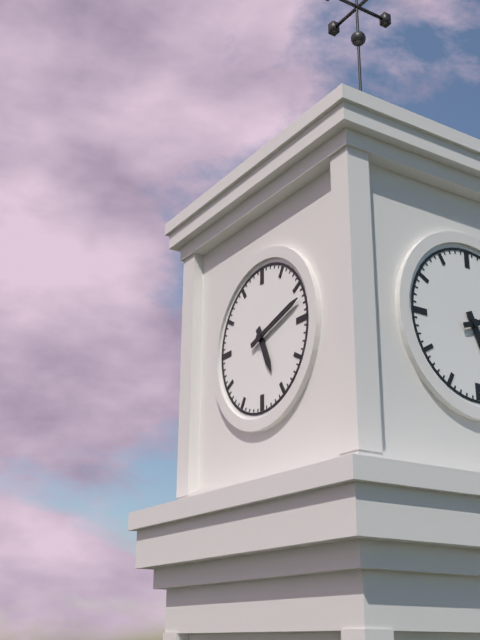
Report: 5 h 12 min
